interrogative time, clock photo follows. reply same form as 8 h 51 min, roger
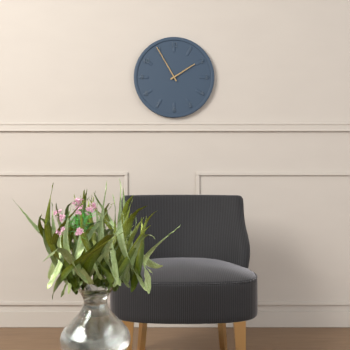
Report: 1 h 55 min
